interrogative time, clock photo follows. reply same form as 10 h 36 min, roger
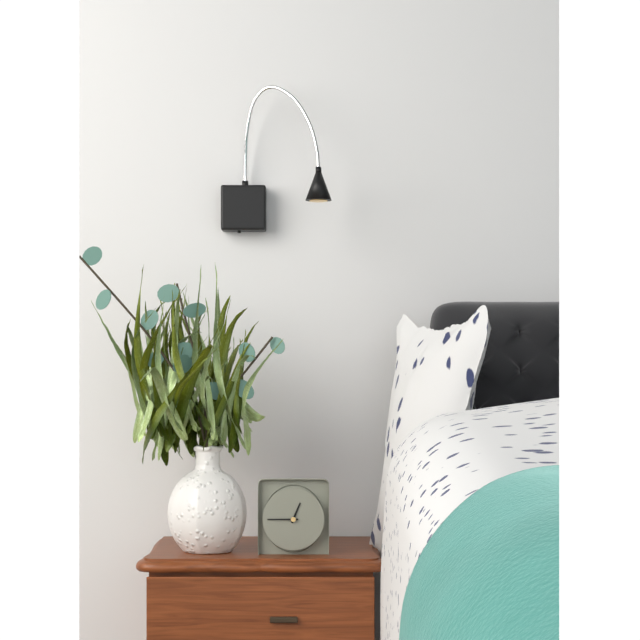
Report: 12 h 45 min
